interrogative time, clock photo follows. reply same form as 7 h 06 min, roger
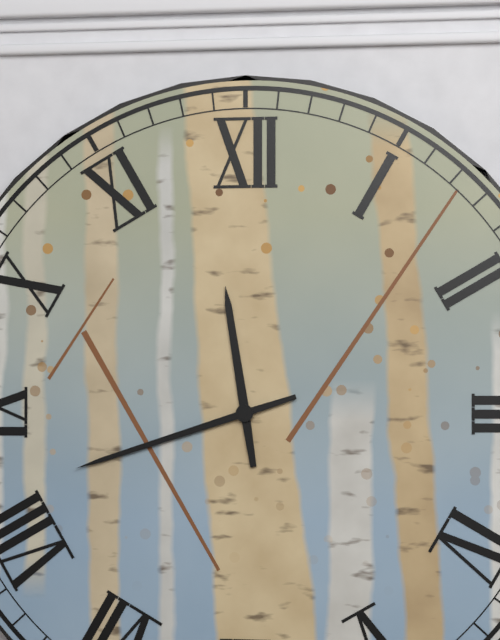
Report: 11 h 42 min
